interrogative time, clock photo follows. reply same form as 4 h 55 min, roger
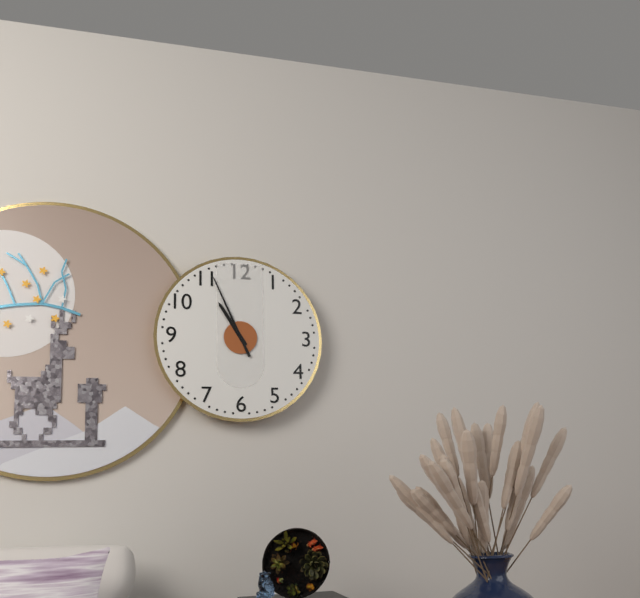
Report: 10 h 56 min
